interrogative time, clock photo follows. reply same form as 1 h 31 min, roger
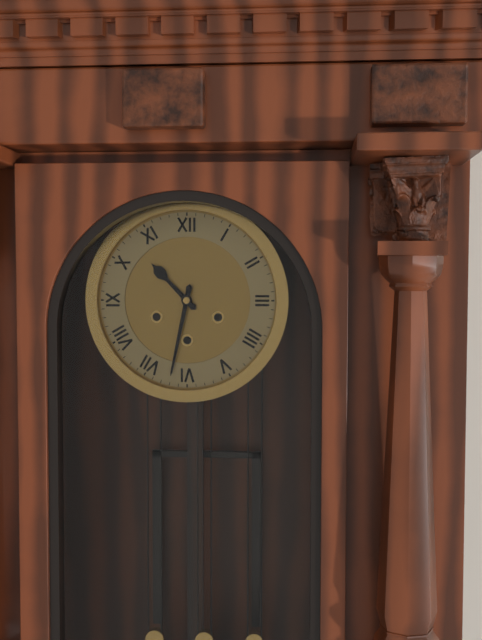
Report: 10 h 32 min
